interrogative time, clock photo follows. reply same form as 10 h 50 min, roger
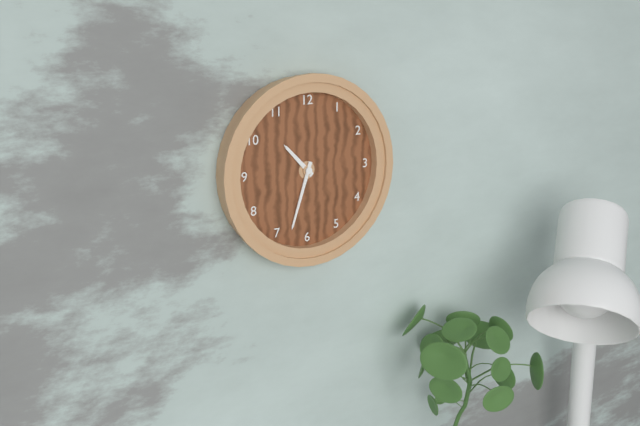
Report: 10 h 33 min
